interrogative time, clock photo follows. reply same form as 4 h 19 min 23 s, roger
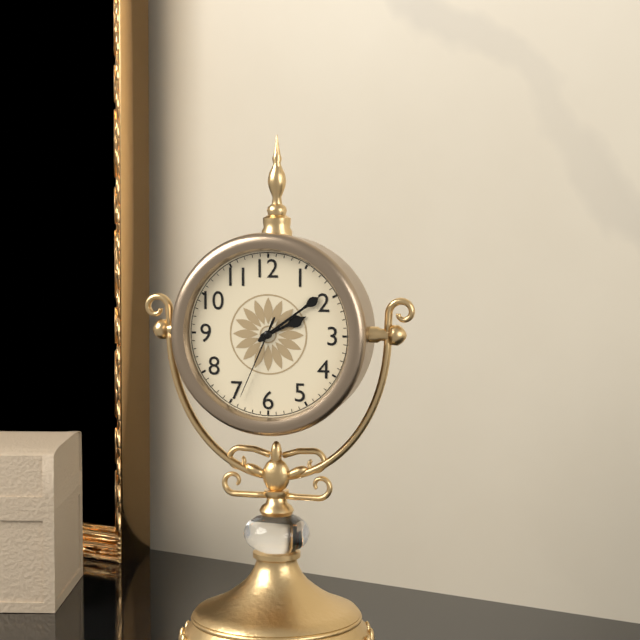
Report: 2 h 09 min 34 s
